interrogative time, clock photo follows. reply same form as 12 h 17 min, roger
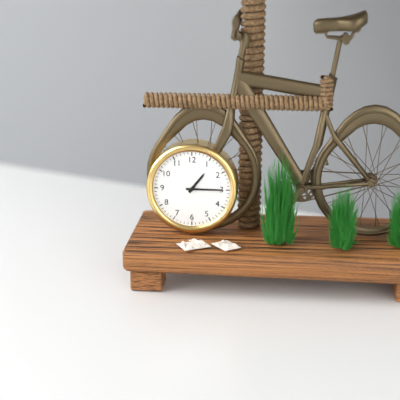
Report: 1 h 15 min
